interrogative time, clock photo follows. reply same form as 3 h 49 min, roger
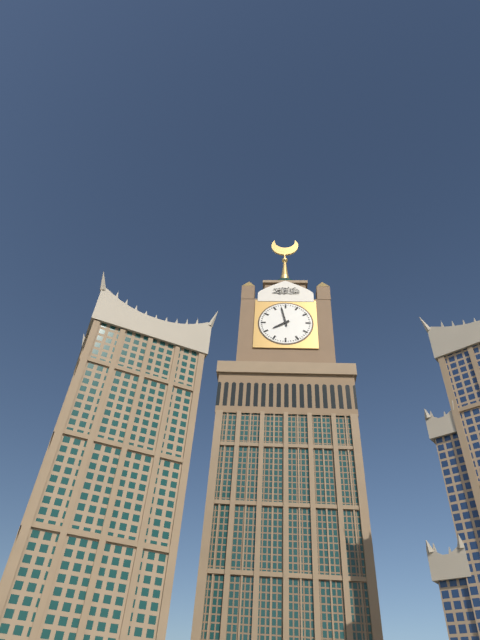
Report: 7 h 58 min
